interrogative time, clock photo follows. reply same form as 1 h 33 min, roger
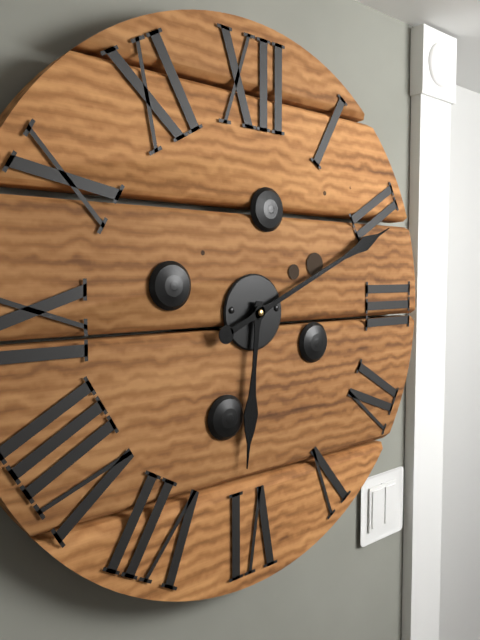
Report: 6 h 11 min
